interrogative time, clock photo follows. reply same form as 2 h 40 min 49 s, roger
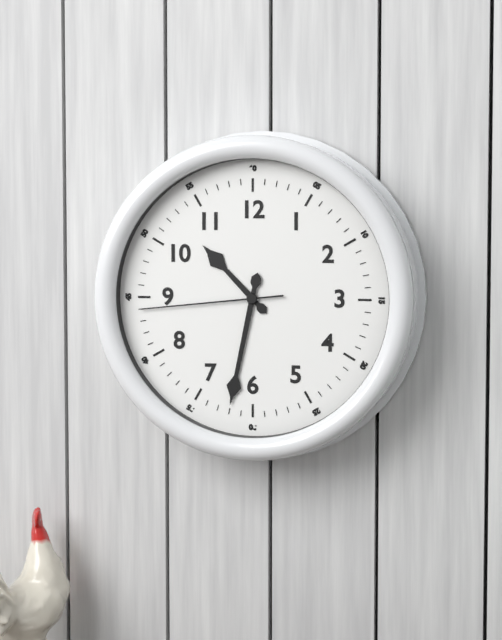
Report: 10 h 32 min 44 s
